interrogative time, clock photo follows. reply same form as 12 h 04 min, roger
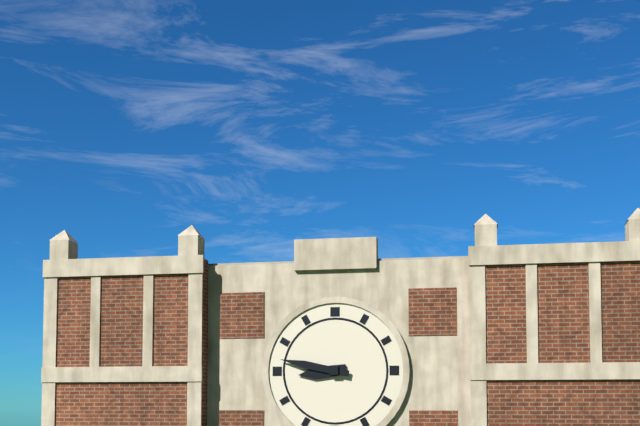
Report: 8 h 47 min
